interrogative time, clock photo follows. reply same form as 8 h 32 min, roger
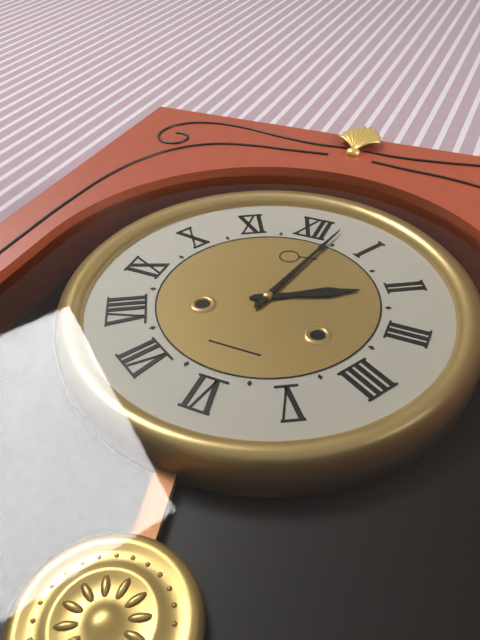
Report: 2 h 02 min
